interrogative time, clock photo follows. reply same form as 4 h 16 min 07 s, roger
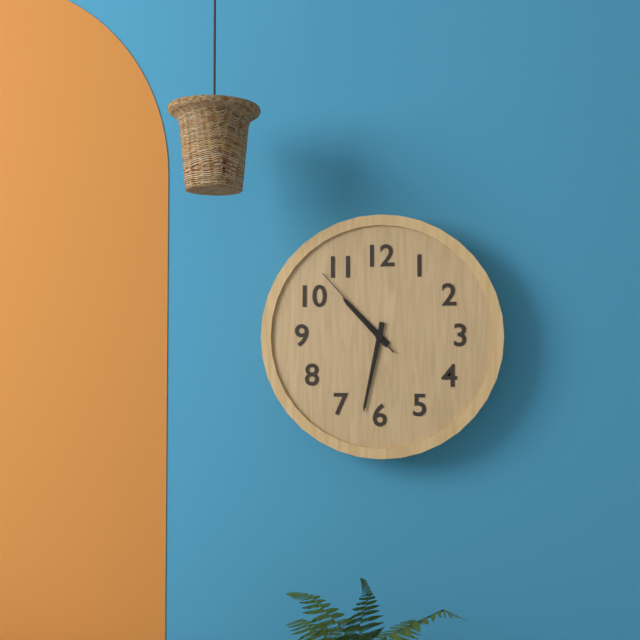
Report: 10 h 32 min 53 s
